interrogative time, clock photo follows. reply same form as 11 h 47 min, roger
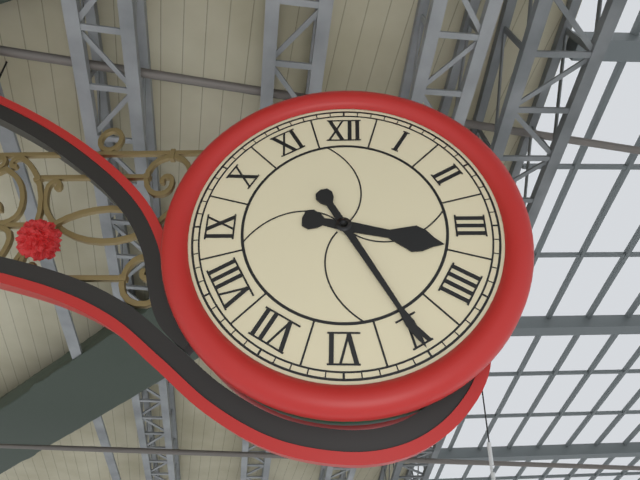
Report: 3 h 25 min
